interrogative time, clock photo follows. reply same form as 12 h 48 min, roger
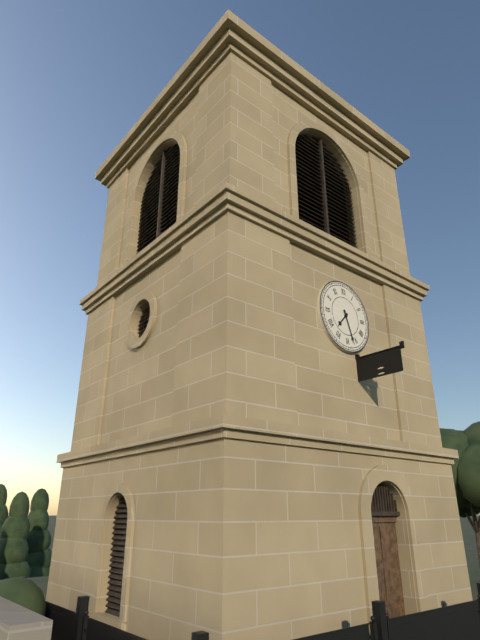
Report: 7 h 27 min
